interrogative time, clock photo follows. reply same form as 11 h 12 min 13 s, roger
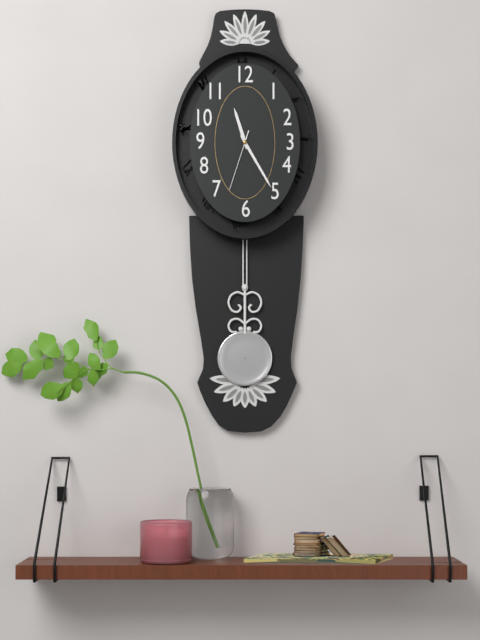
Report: 11 h 25 min 33 s
